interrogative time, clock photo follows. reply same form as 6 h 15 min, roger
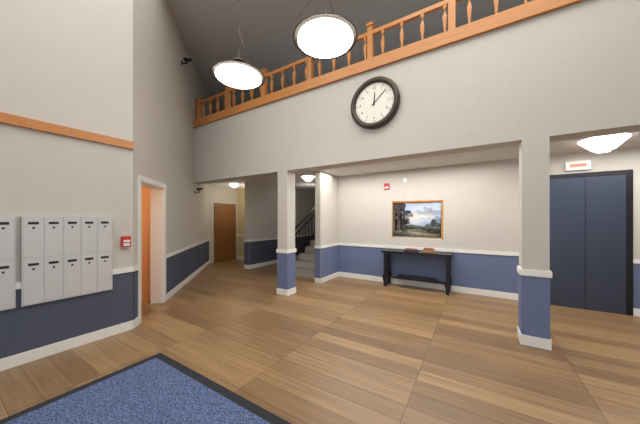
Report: 12 h 08 min
